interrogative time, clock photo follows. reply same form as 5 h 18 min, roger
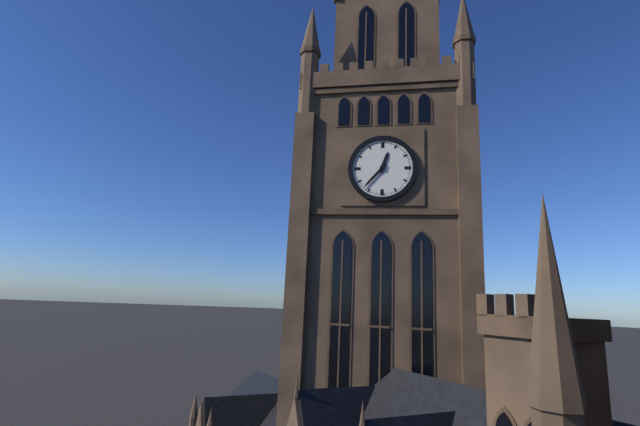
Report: 12 h 37 min
